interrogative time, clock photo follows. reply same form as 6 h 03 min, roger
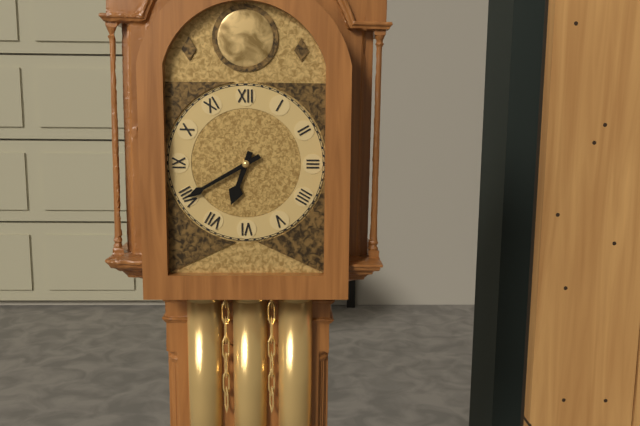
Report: 6 h 40 min
